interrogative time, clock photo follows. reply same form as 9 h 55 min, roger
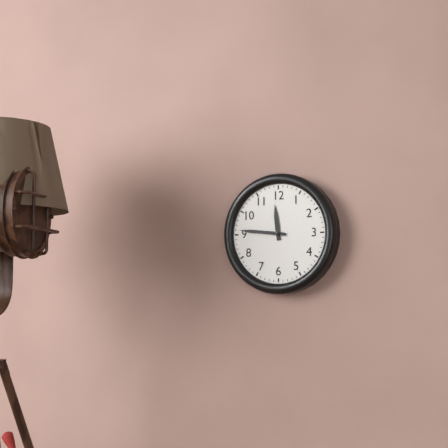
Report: 11 h 46 min
